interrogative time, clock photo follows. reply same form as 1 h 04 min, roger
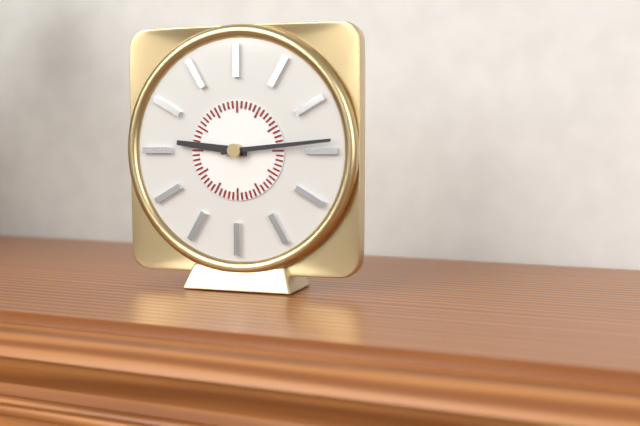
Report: 9 h 14 min
